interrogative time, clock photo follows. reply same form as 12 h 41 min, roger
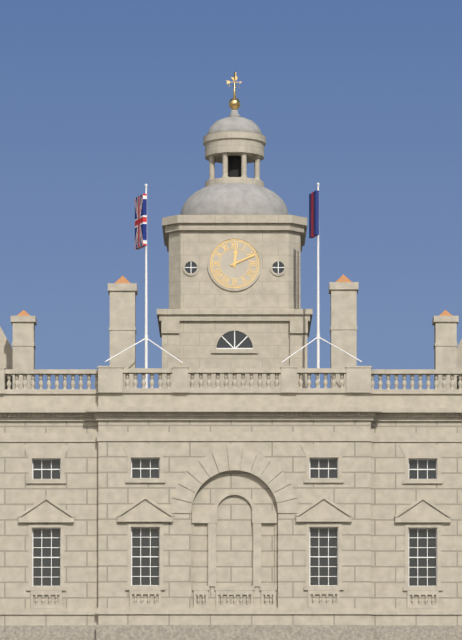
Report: 12 h 11 min
